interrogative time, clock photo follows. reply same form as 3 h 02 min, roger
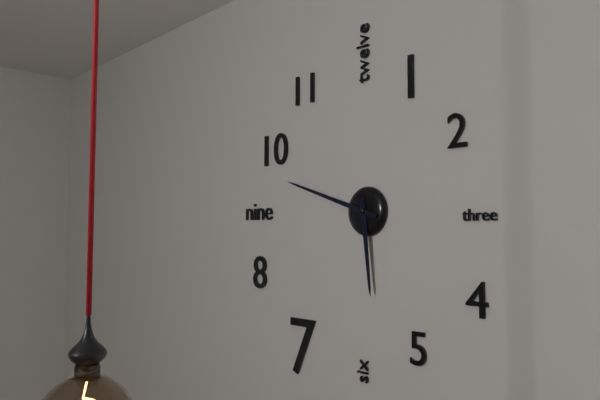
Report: 5 h 48 min
